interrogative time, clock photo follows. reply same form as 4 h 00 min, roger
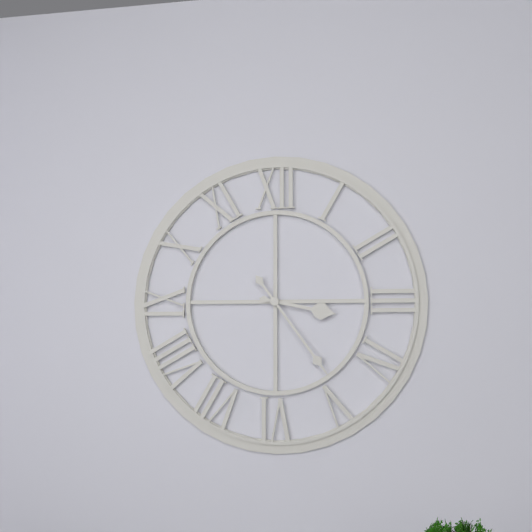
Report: 3 h 24 min
